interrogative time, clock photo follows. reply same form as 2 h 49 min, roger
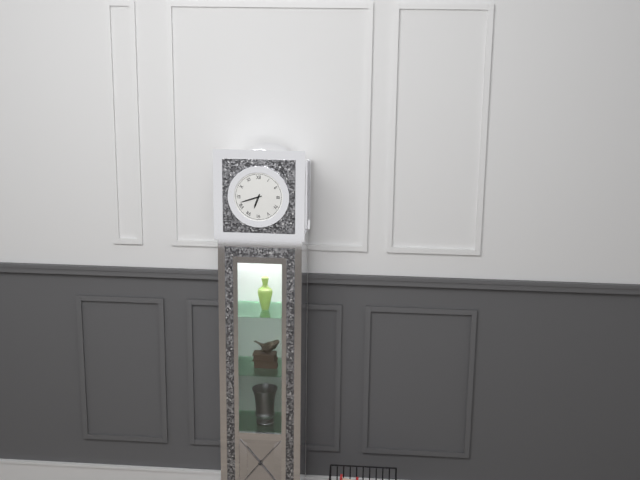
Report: 6 h 42 min
